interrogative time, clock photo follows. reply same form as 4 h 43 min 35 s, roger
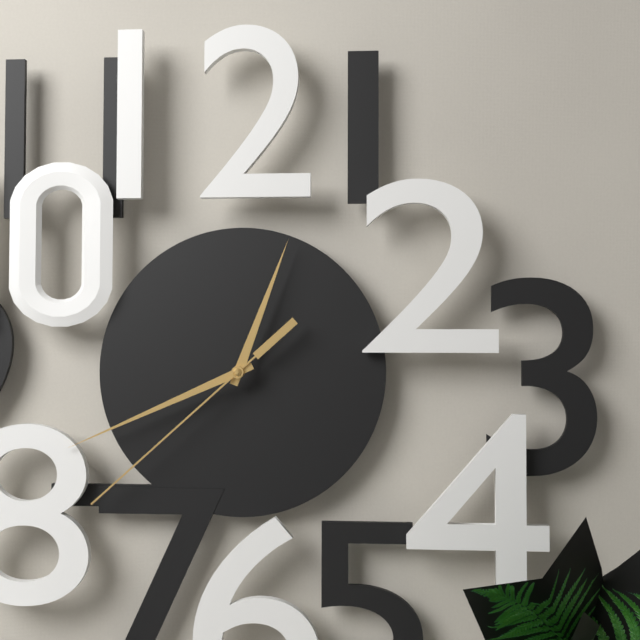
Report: 12 h 41 min 38 s
